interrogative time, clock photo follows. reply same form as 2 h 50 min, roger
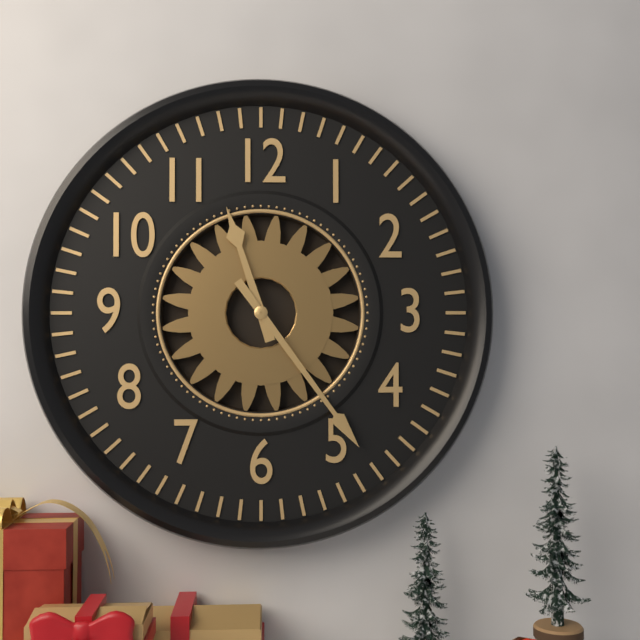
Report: 11 h 24 min
